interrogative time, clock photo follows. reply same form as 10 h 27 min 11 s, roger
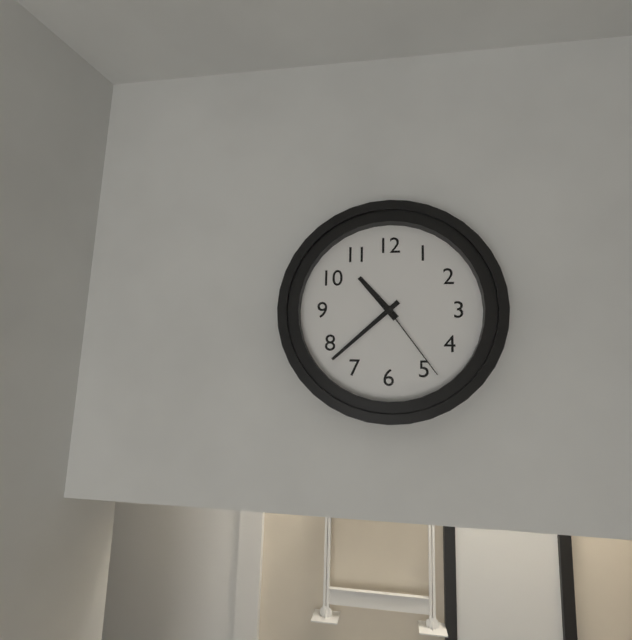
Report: 10 h 38 min 24 s
